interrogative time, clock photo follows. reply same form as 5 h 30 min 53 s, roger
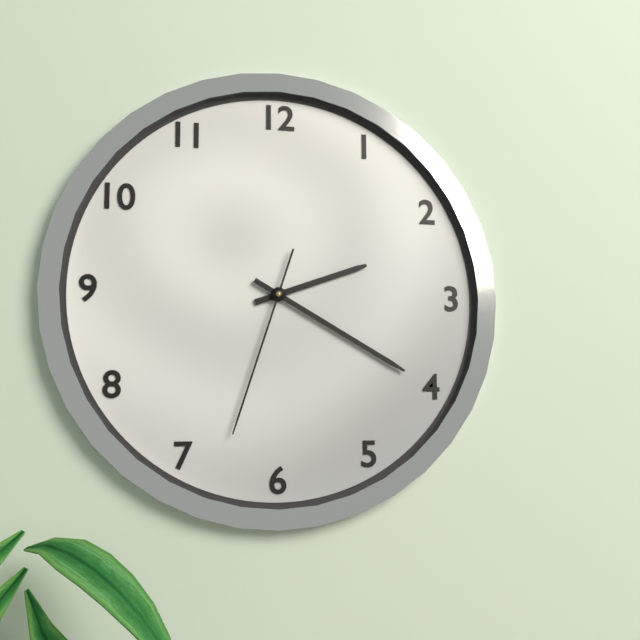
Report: 2 h 20 min 33 s
